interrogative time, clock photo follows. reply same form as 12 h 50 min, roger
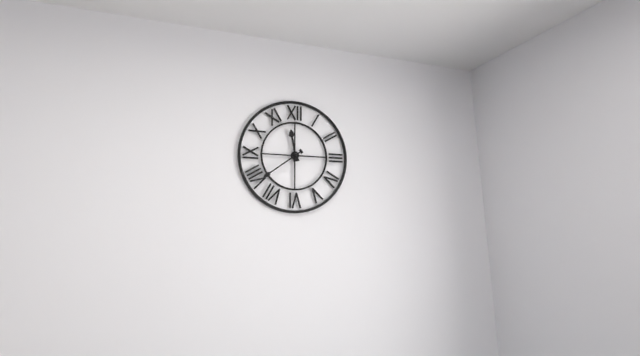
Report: 11 h 39 min
